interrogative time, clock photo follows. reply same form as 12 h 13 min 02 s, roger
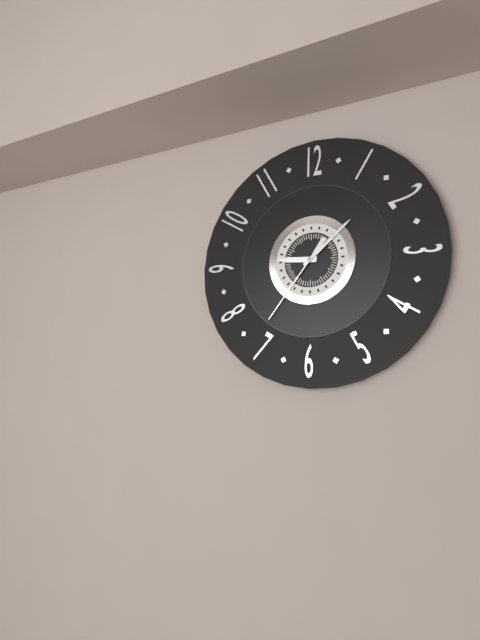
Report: 9 h 08 min 36 s
